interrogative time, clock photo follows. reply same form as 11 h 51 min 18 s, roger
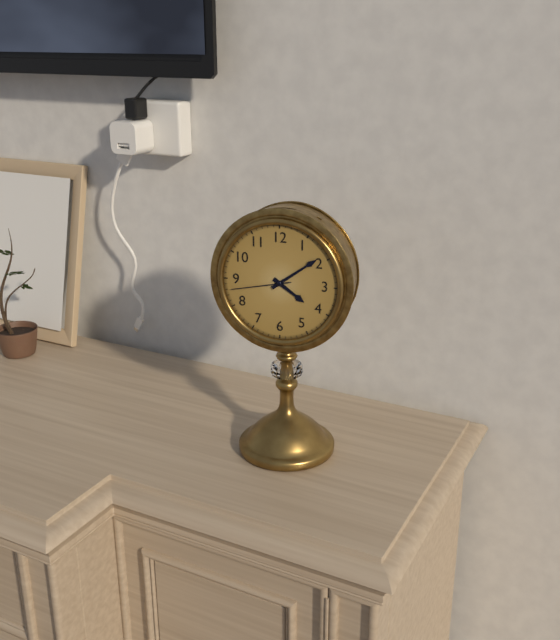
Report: 4 h 09 min 43 s
